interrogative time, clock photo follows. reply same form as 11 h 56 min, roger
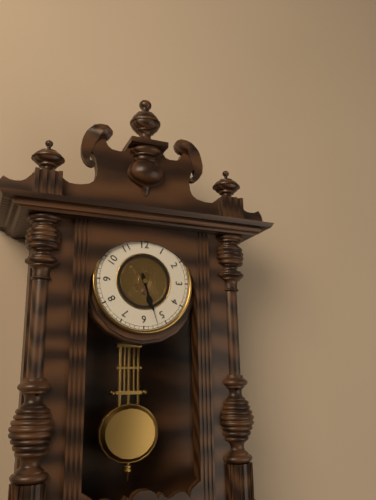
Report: 5 h 27 min
